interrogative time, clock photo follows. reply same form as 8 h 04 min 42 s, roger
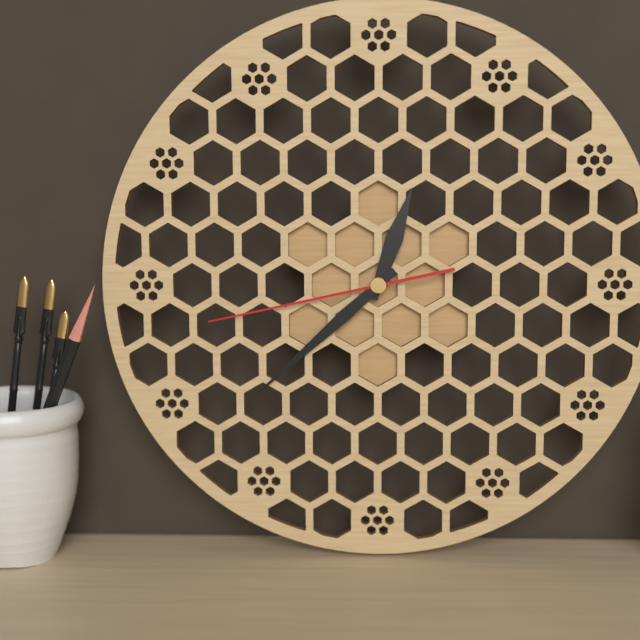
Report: 12 h 38 min 43 s
